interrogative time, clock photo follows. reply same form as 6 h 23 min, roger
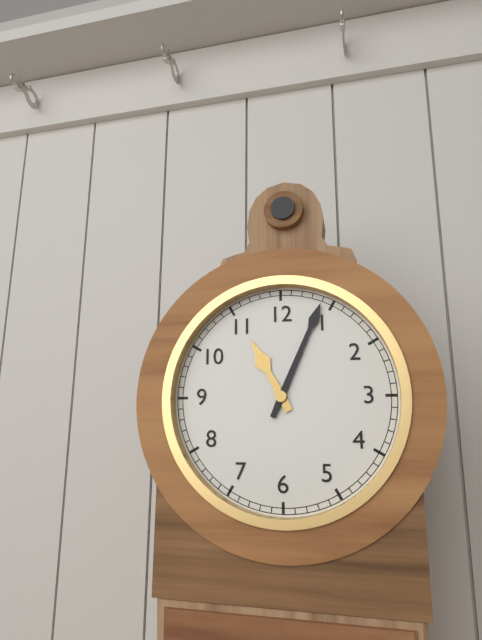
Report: 11 h 04 min
